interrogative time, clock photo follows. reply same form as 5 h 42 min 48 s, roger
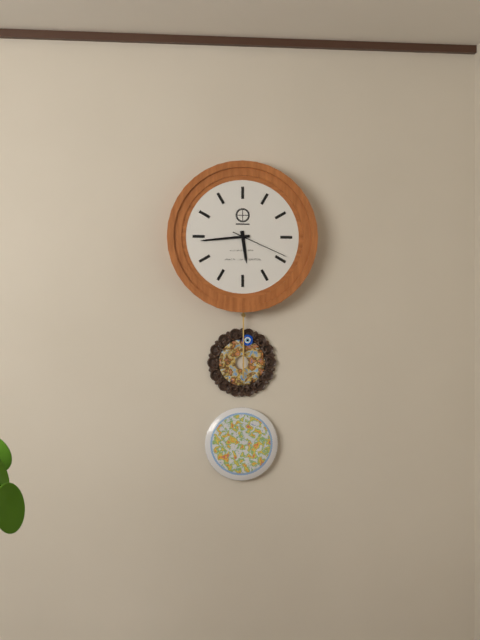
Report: 5 h 44 min 19 s
